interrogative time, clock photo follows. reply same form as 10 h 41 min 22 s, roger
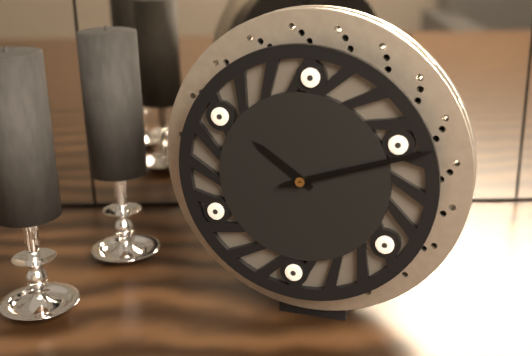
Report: 10 h 12 min 12 s
